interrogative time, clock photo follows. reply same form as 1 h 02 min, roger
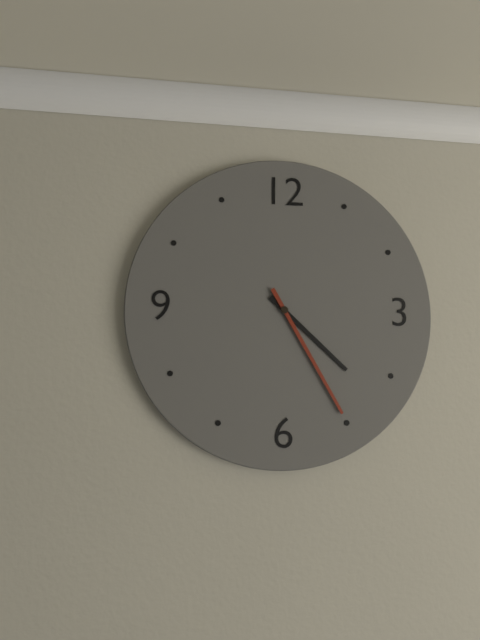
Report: 4 h 25 min
